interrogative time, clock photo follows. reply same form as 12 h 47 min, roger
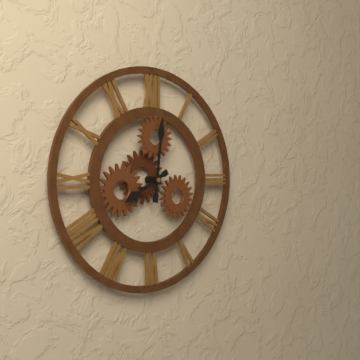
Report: 8 h 01 min
